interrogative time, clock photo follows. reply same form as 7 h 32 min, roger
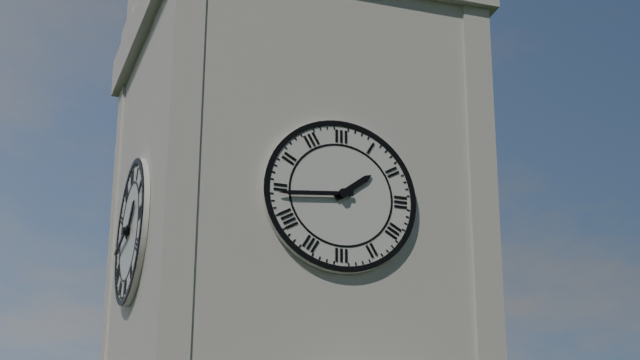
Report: 1 h 44 min
